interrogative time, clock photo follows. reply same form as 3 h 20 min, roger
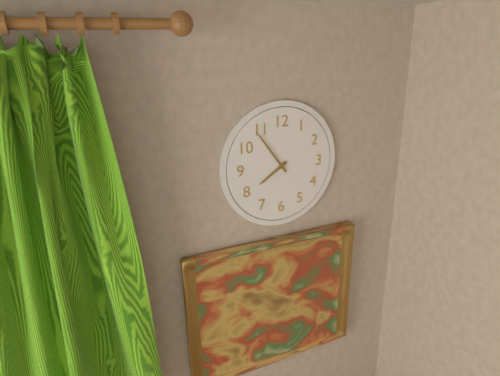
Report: 7 h 54 min
